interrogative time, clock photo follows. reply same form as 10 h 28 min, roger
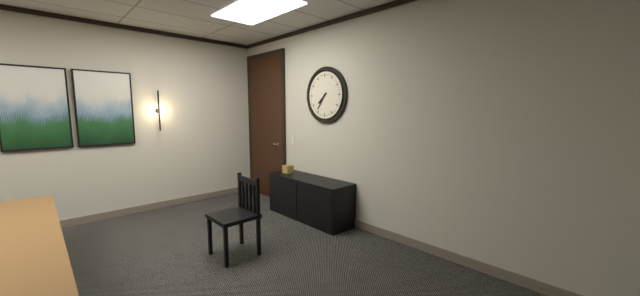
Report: 7 h 36 min
